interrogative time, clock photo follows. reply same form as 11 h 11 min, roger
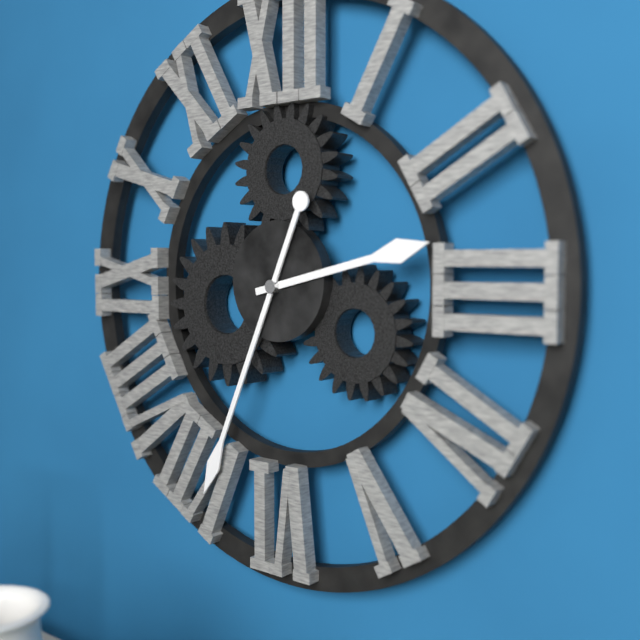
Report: 2 h 34 min
